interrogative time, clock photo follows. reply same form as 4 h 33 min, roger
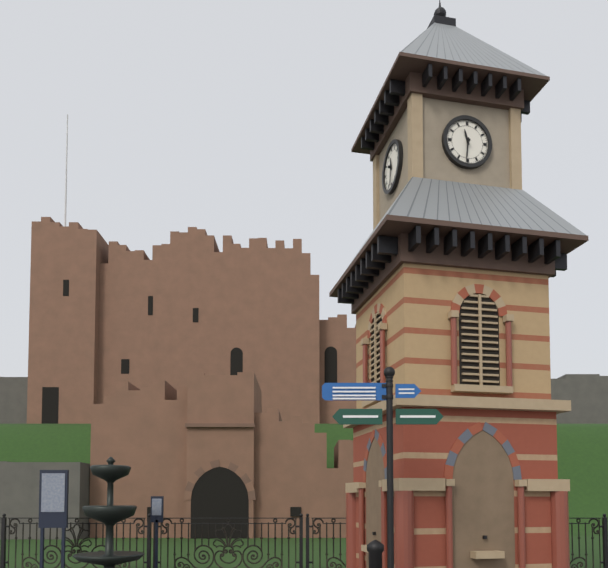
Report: 11 h 31 min
